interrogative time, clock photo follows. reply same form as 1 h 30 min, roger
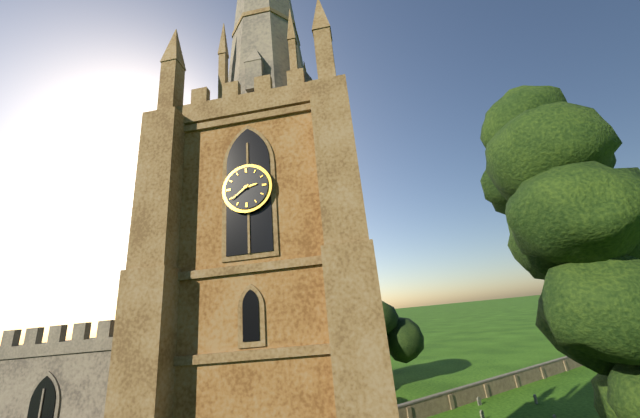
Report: 2 h 39 min
